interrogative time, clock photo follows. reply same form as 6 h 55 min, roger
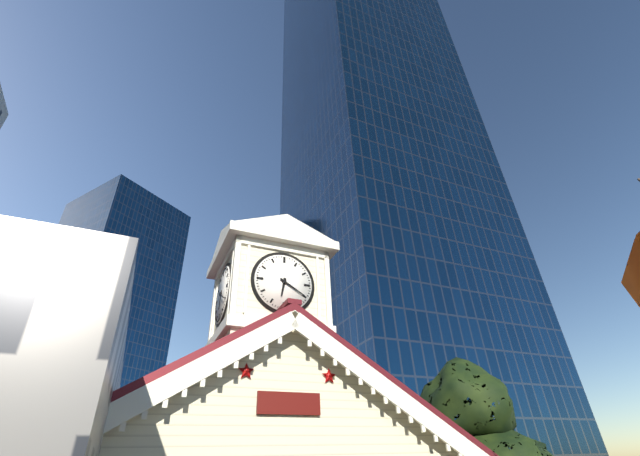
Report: 6 h 20 min
